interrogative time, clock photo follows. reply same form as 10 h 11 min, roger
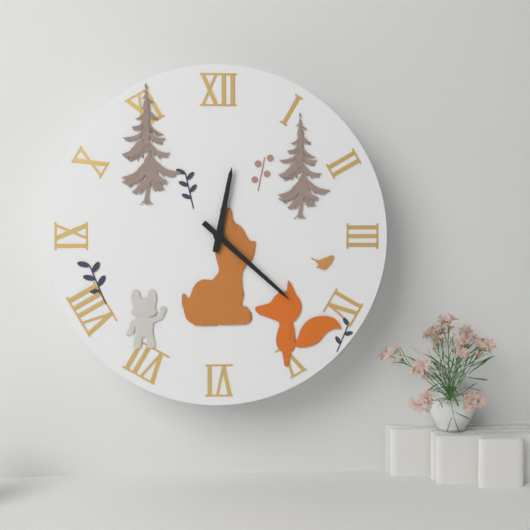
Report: 12 h 22 min
